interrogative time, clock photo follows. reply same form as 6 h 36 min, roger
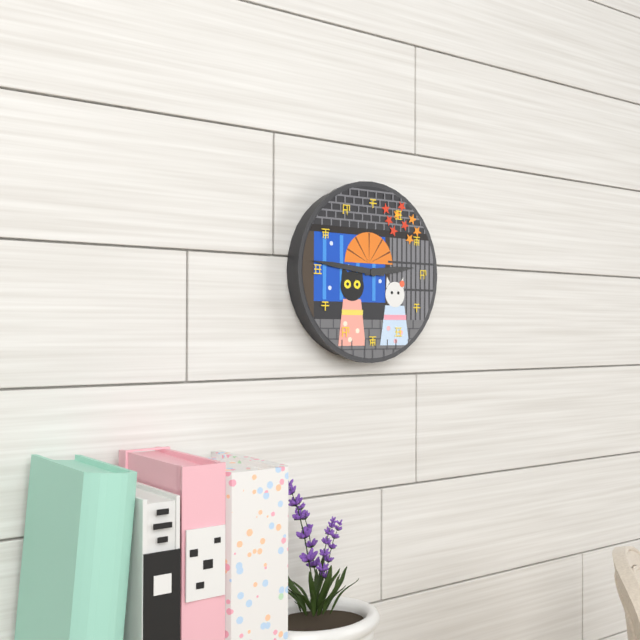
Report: 2 h 46 min
